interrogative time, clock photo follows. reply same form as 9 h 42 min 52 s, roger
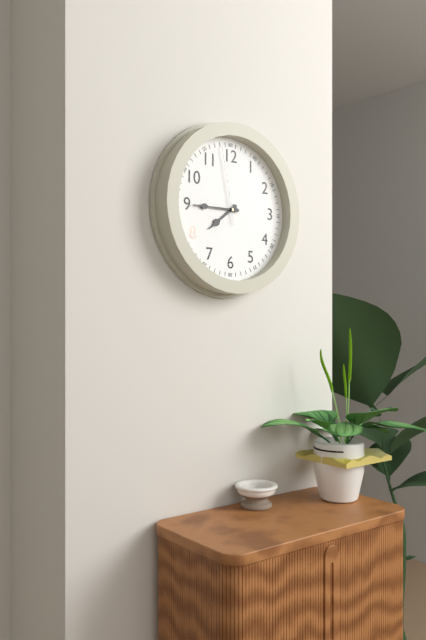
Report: 7 h 45 min 58 s
